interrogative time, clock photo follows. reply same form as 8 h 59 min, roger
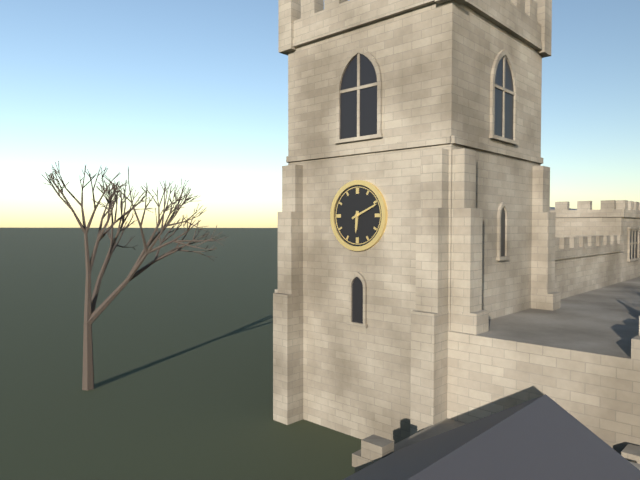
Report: 6 h 11 min
